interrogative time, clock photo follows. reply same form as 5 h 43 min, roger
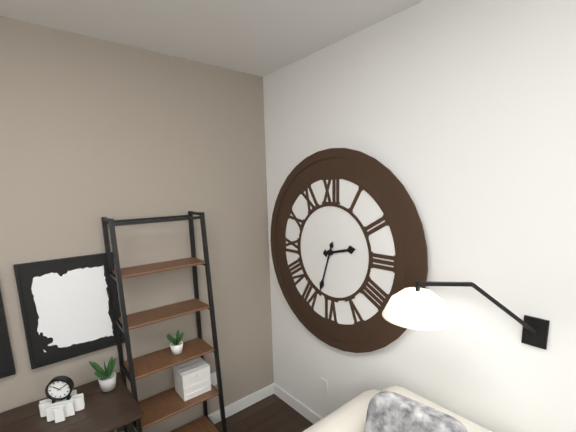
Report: 2 h 33 min
